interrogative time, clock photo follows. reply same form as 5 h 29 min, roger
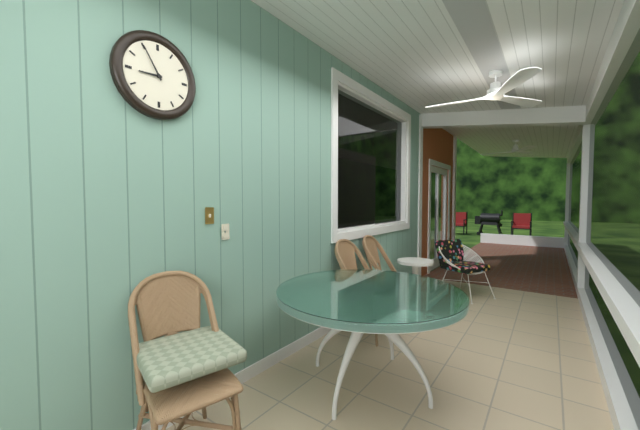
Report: 8 h 55 min
